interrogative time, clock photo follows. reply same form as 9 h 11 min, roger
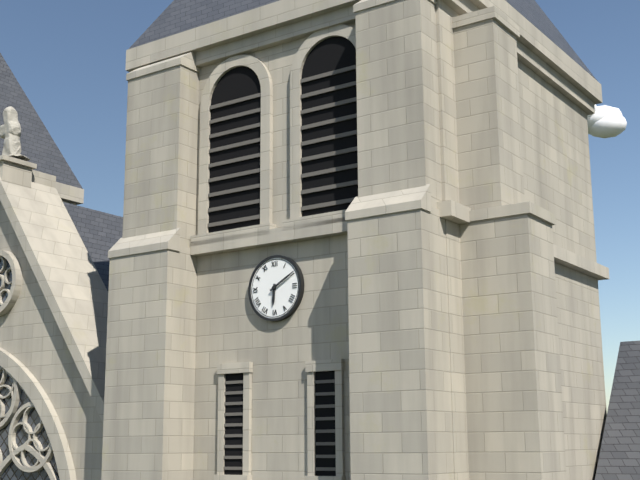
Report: 6 h 10 min
